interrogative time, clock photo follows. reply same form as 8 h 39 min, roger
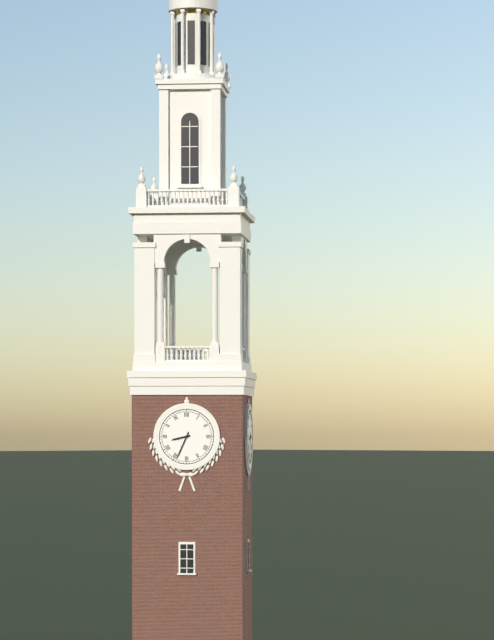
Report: 8 h 34 min
